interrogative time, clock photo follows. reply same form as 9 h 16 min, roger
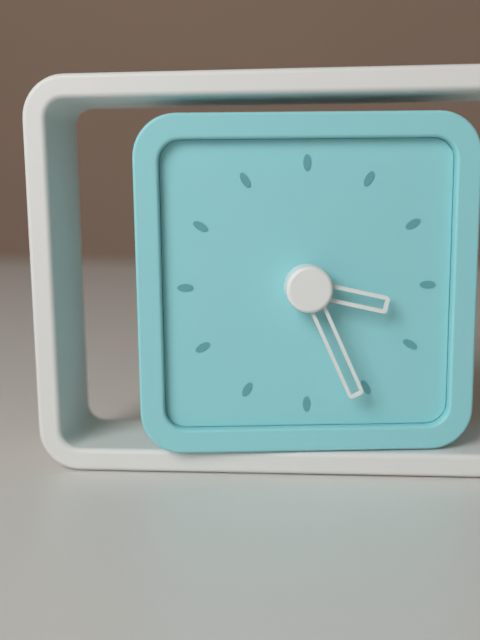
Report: 3 h 26 min
